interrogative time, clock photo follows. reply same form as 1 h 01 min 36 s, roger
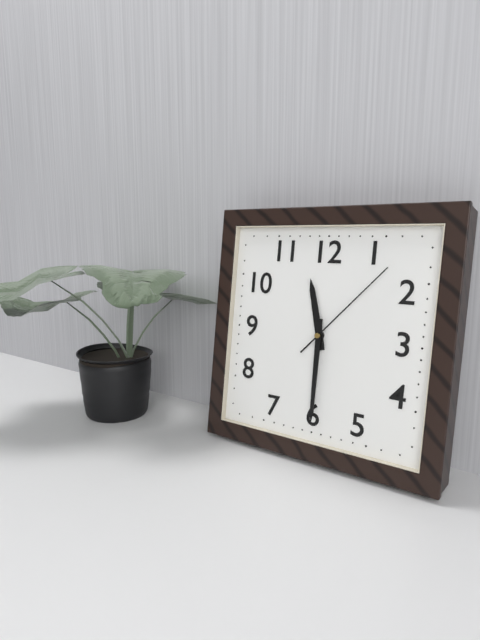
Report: 11 h 30 min 07 s
